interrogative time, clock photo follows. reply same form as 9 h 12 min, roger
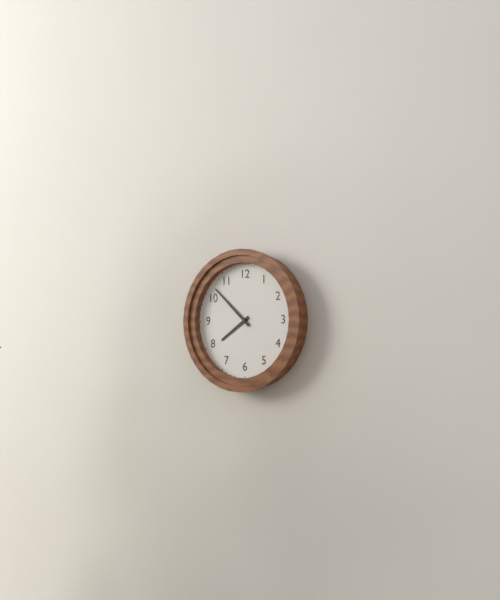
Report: 7 h 52 min
